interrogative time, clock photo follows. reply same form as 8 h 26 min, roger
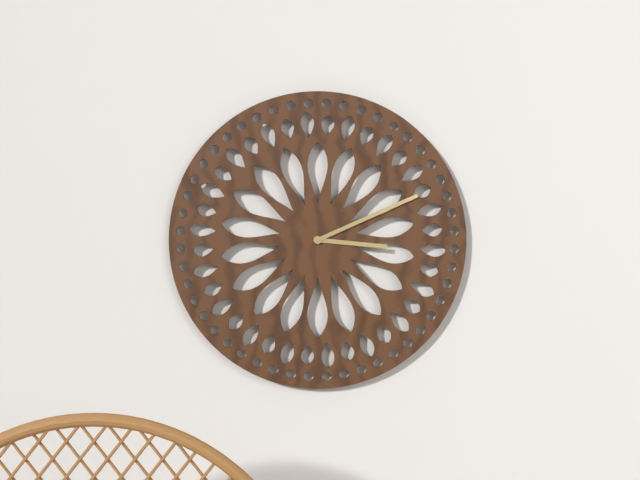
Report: 3 h 11 min
